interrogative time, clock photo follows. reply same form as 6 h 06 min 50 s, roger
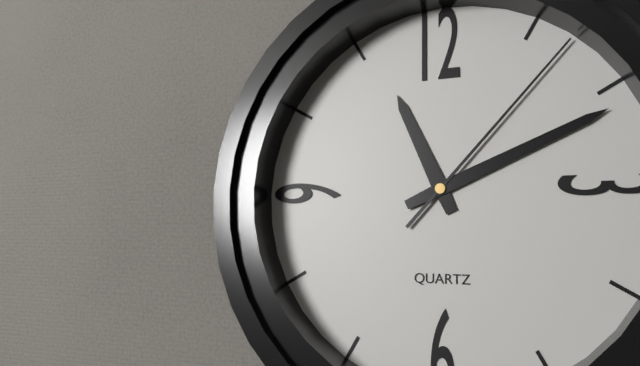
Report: 11 h 11 min 07 s
